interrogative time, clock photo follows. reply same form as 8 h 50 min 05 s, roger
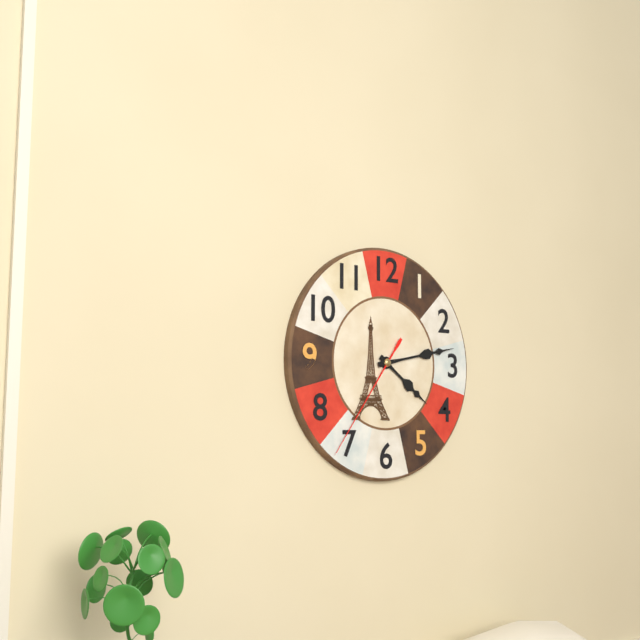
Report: 4 h 13 min 36 s
